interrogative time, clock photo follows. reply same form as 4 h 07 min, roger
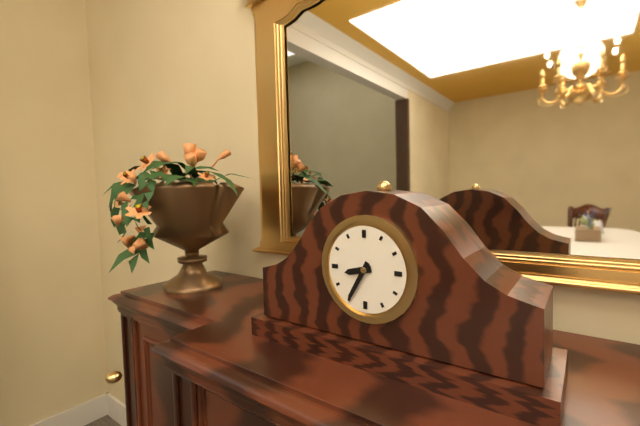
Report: 8 h 35 min
